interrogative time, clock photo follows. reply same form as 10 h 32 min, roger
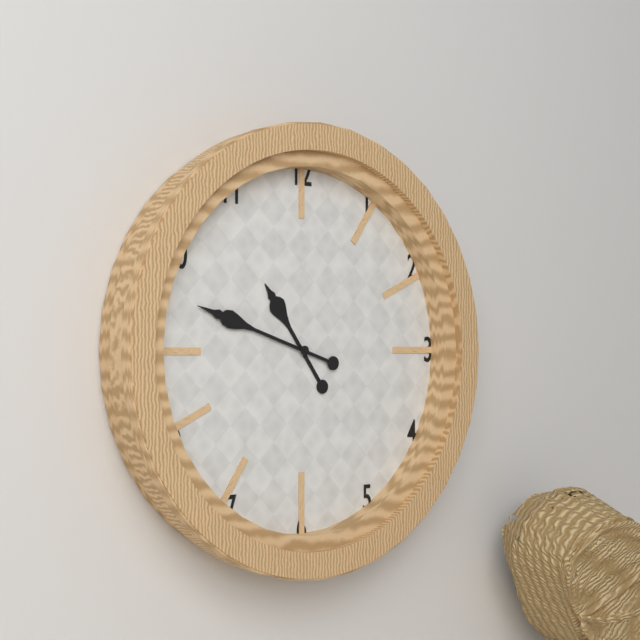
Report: 10 h 48 min
